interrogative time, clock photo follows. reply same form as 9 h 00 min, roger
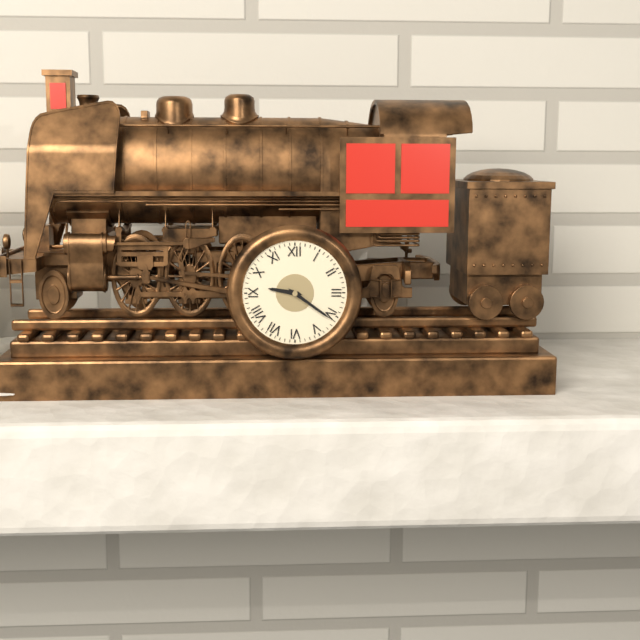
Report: 9 h 21 min
